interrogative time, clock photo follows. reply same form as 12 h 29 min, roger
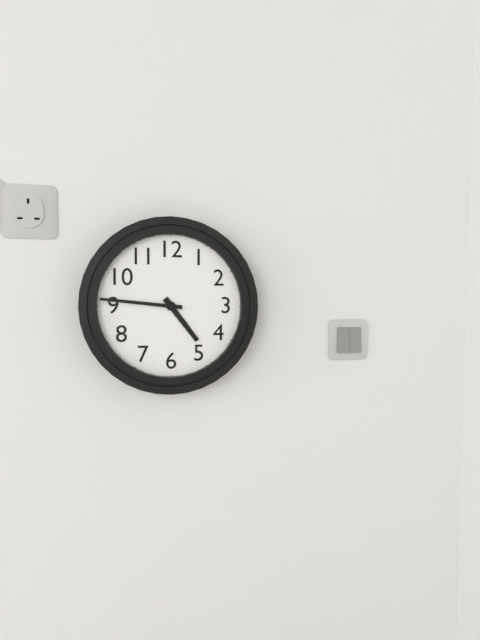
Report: 4 h 46 min
